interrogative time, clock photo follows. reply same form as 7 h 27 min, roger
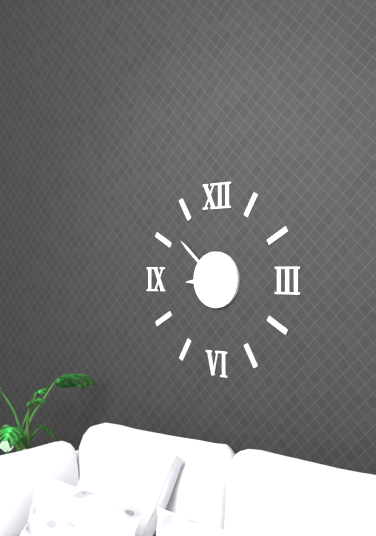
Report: 8 h 52 min
